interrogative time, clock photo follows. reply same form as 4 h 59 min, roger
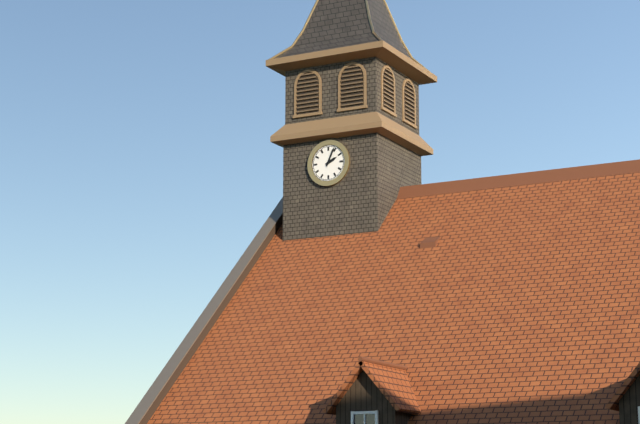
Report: 2 h 04 min
